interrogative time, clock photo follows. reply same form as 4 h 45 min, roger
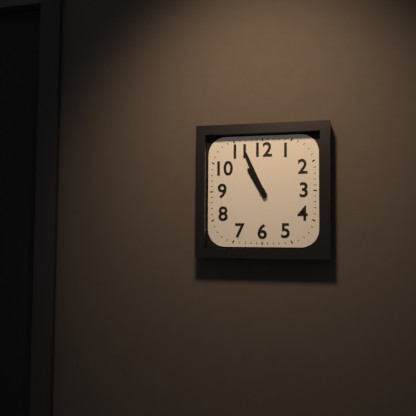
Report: 10 h 56 min
